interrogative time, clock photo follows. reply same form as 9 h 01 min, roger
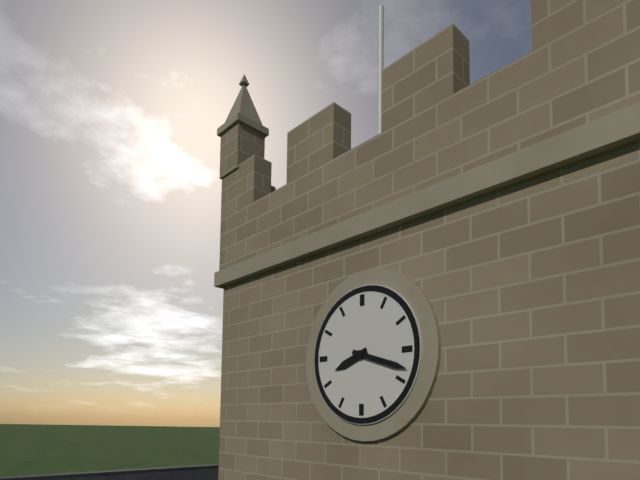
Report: 8 h 18 min
